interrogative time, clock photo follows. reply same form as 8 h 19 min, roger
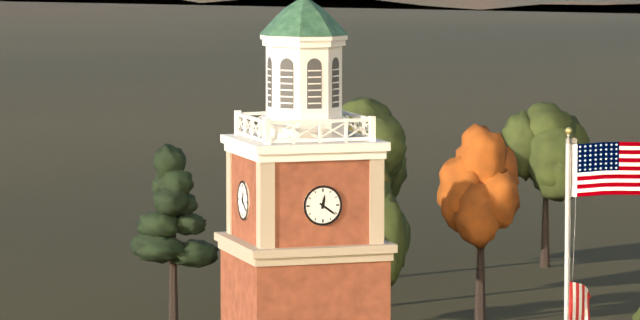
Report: 12 h 21 min
